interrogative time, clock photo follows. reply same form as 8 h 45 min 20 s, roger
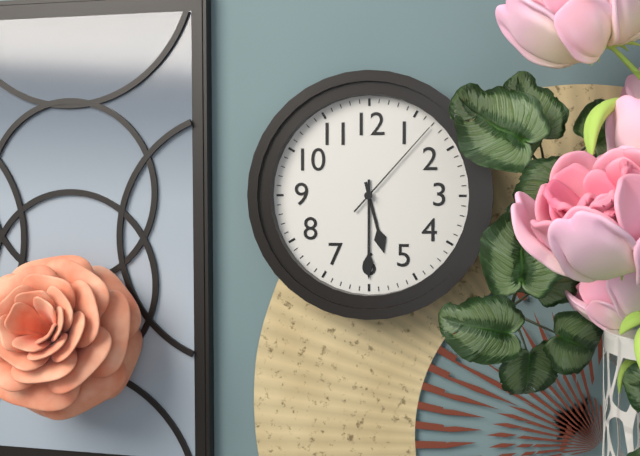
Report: 5 h 30 min 07 s
